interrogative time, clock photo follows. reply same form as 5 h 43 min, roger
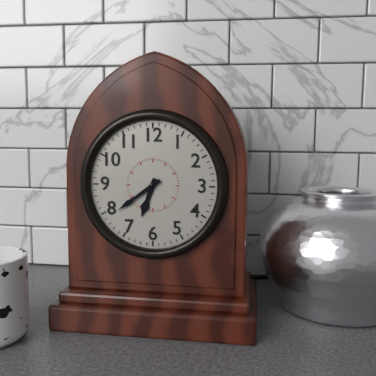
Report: 6 h 39 min
